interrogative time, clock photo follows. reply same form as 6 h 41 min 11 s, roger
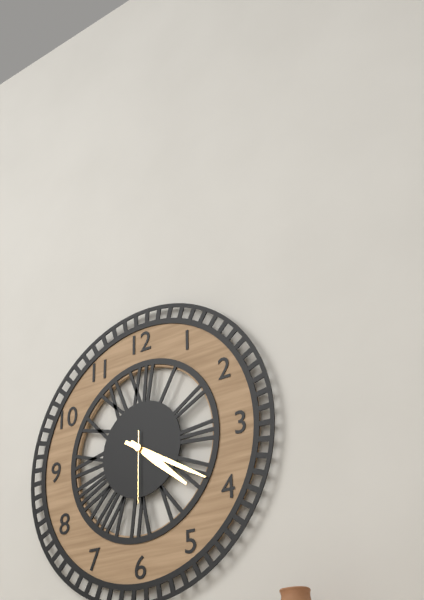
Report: 4 h 20 min 30 s
